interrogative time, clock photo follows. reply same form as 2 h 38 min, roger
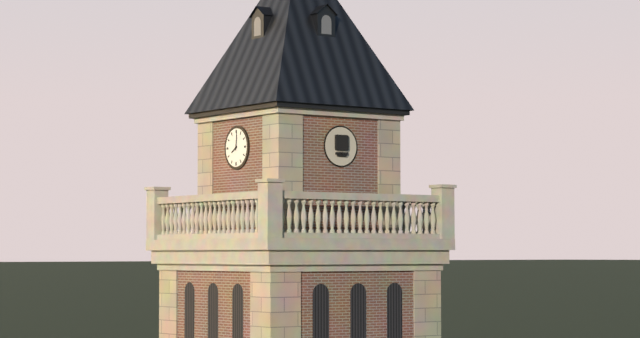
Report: 8 h 01 min
